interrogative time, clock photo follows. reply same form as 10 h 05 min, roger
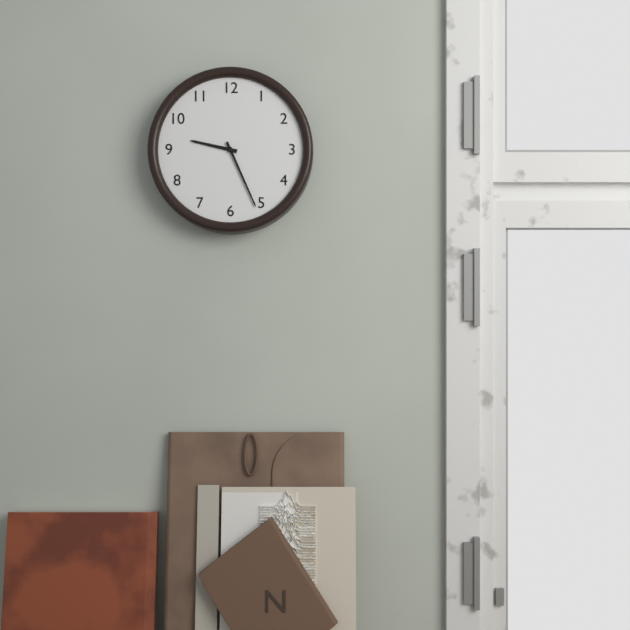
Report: 9 h 26 min
